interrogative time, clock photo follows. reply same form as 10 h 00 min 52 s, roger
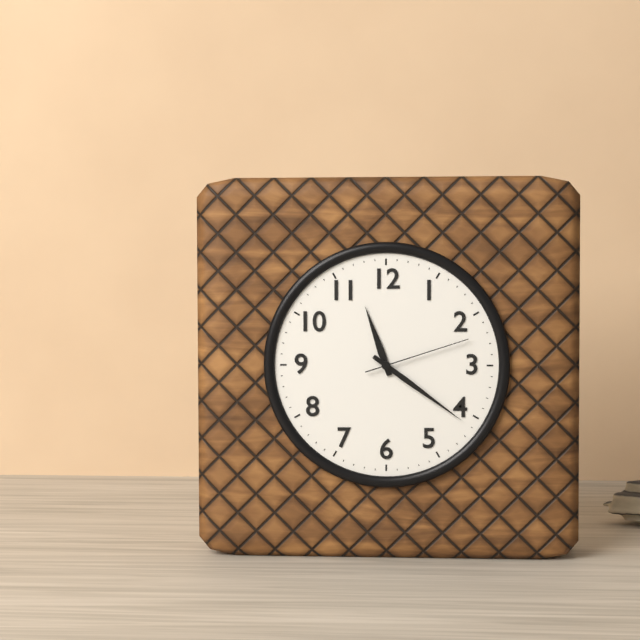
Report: 11 h 21 min 12 s
